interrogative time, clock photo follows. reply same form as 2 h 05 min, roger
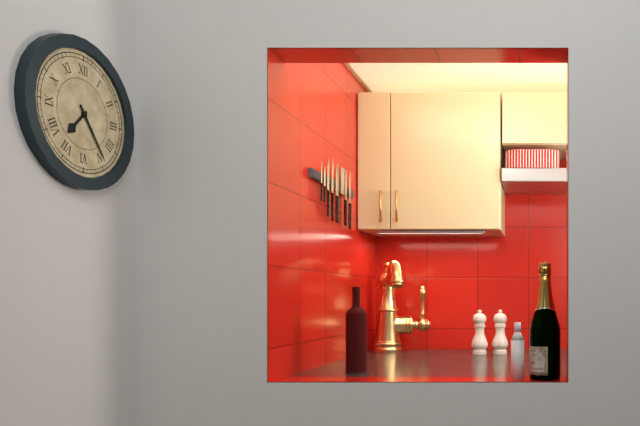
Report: 7 h 24 min
